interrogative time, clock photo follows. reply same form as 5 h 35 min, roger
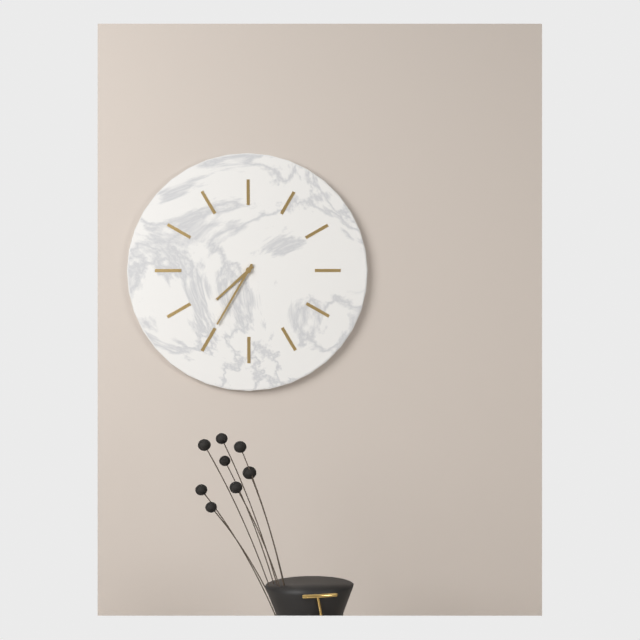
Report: 7 h 35 min
